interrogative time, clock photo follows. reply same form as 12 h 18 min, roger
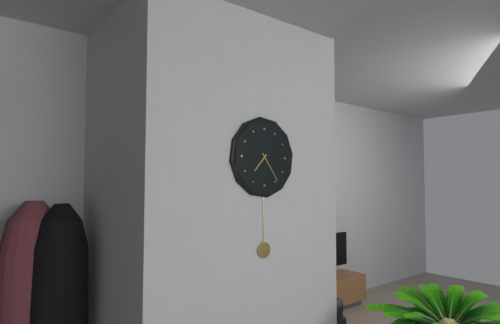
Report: 7 h 24 min
